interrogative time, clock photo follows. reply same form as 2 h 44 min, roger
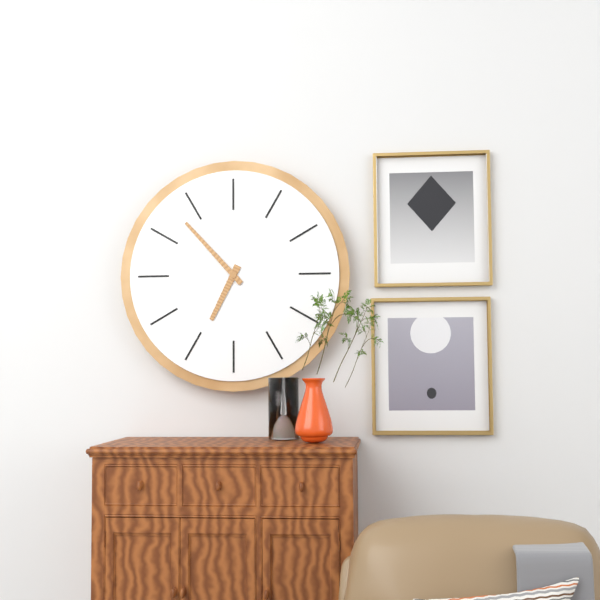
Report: 6 h 53 min
